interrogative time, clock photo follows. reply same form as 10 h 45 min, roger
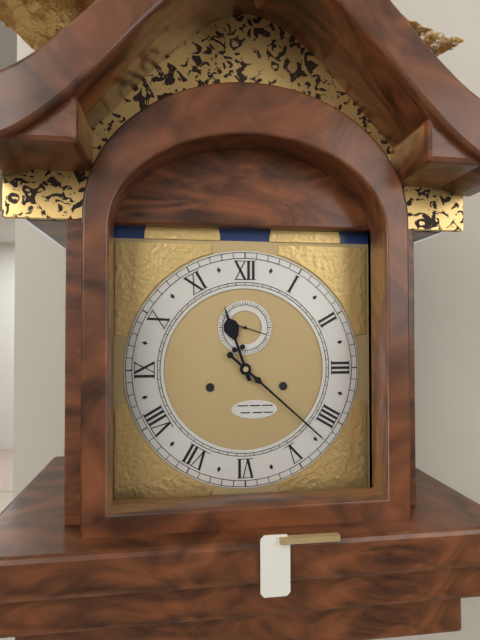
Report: 11 h 22 min
